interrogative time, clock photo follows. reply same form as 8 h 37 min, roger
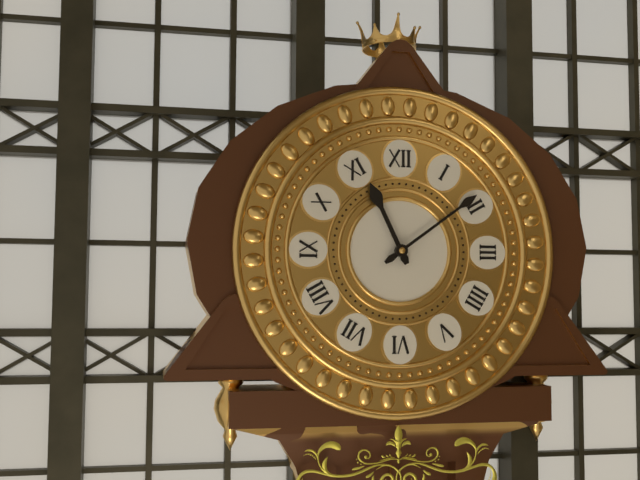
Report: 11 h 09 min
